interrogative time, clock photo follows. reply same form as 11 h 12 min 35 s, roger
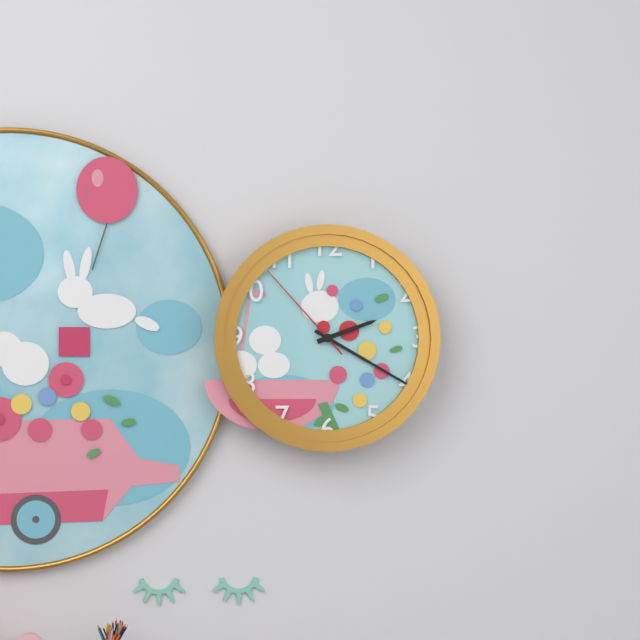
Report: 2 h 20 min 53 s
